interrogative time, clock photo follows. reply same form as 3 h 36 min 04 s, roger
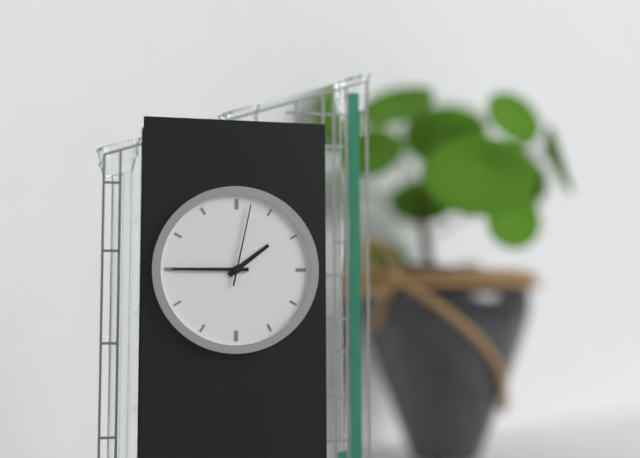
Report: 1 h 45 min 02 s
